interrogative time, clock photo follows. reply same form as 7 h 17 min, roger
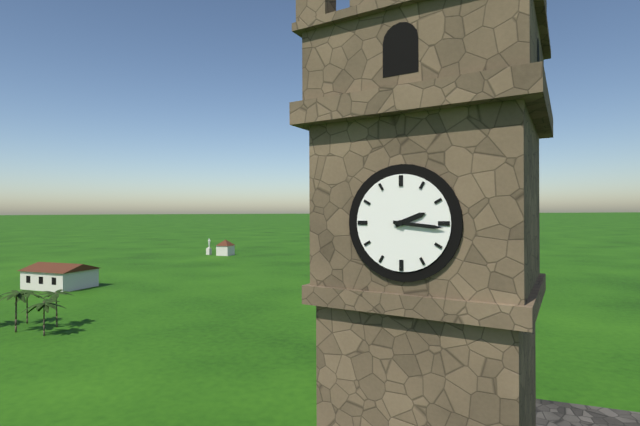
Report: 2 h 16 min
